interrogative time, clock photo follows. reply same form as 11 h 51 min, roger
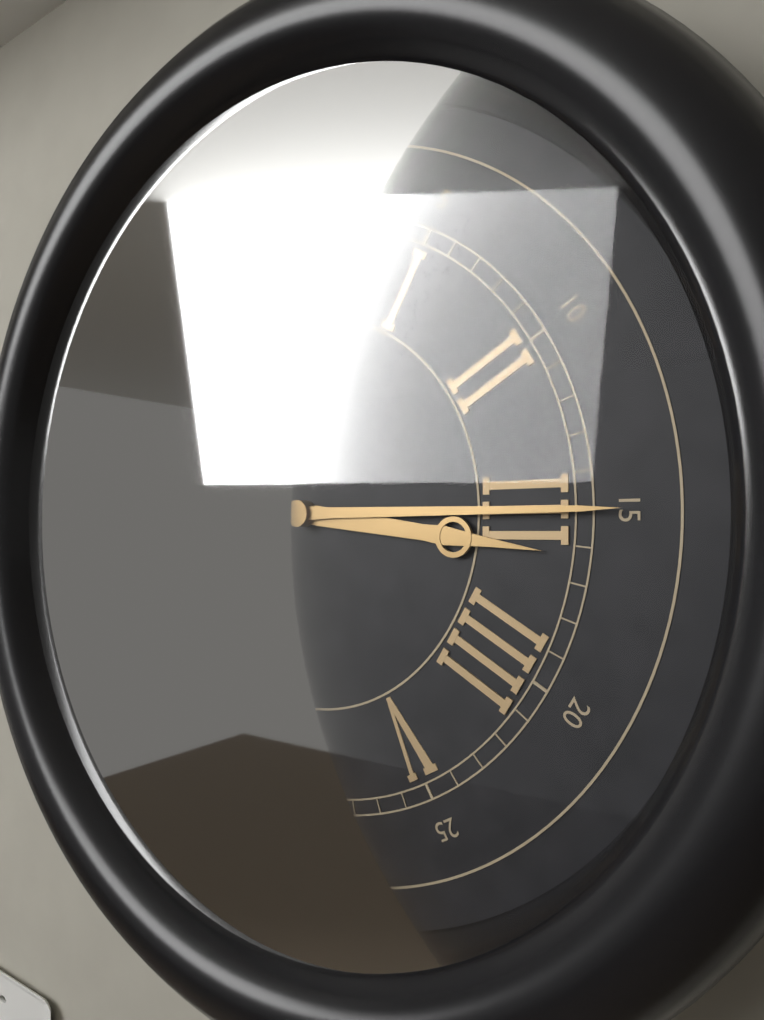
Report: 3 h 15 min
